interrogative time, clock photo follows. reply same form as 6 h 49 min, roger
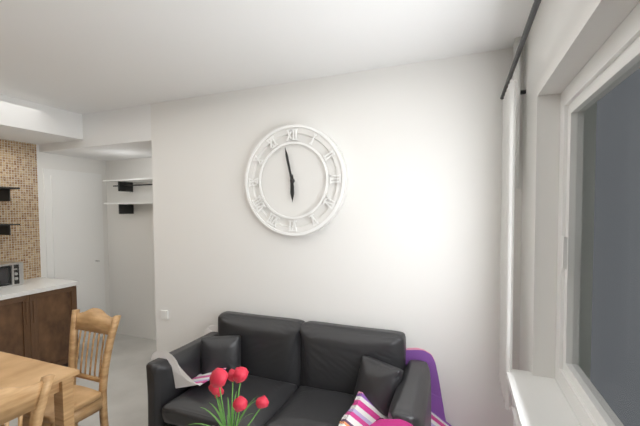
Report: 5 h 58 min
